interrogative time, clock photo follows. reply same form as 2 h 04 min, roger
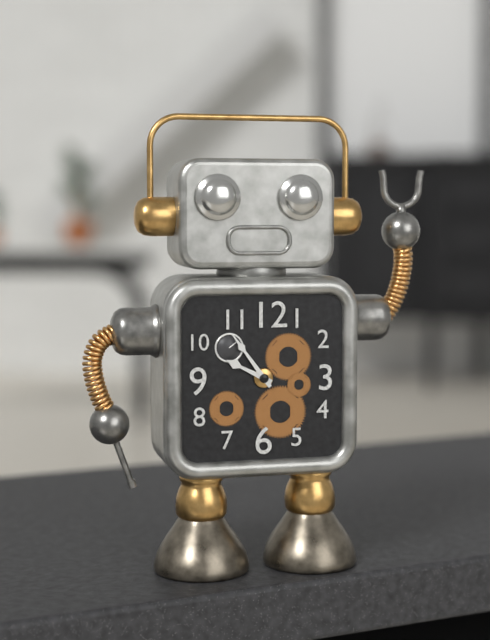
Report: 9 h 54 min
